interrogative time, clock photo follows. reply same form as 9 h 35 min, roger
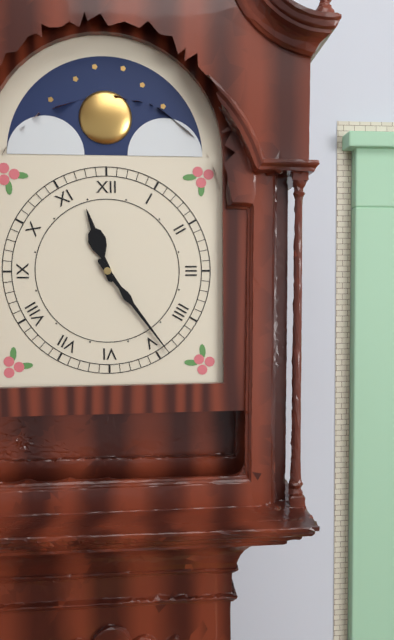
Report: 11 h 24 min
